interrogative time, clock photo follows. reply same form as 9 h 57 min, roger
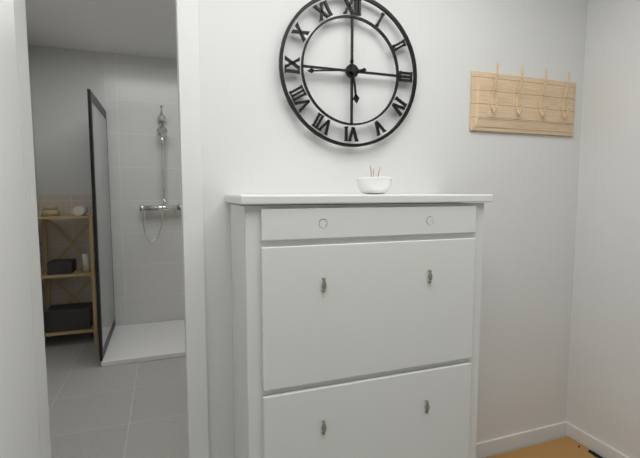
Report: 5 h 44 min
